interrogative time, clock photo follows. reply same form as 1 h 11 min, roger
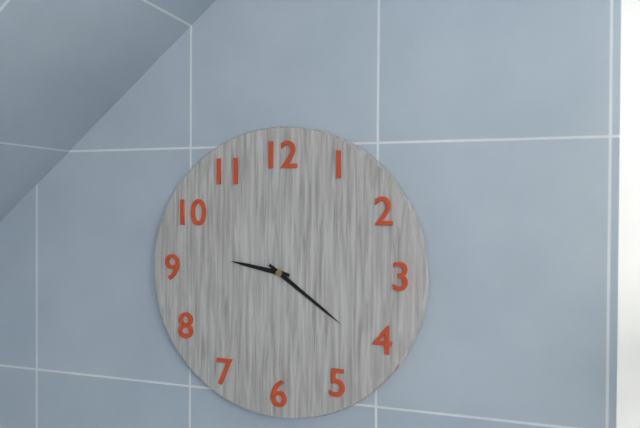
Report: 9 h 21 min
